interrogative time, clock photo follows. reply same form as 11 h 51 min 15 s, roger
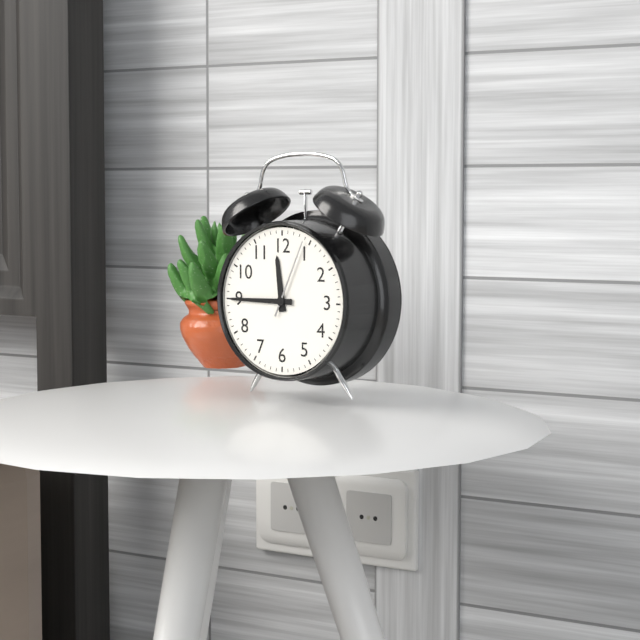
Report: 11 h 45 min 04 s
